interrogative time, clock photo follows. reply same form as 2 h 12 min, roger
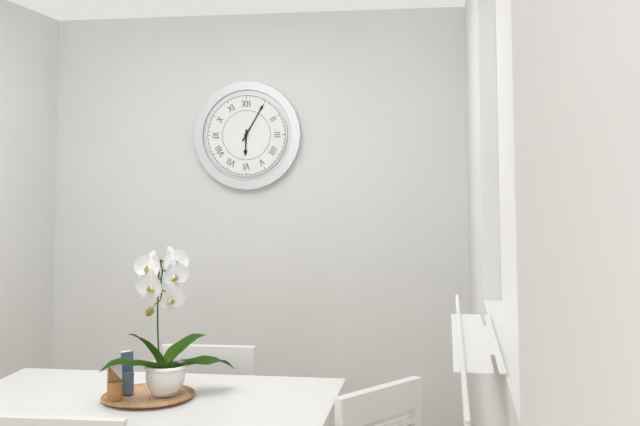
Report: 6 h 05 min
